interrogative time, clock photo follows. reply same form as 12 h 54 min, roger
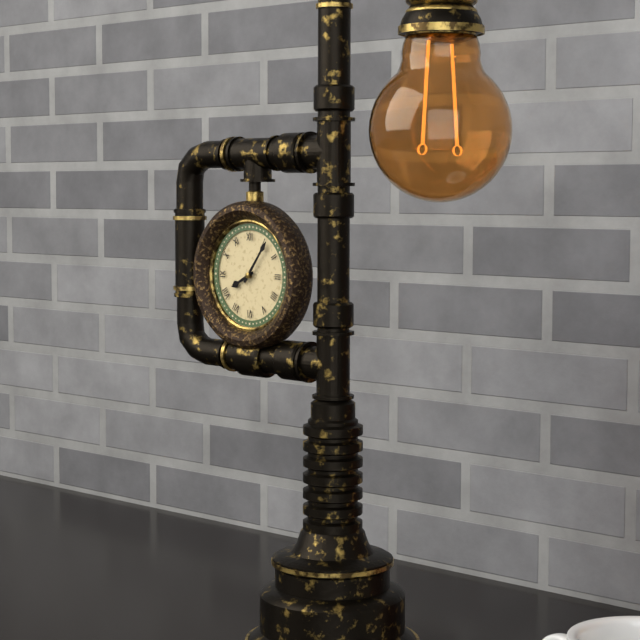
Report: 8 h 06 min
